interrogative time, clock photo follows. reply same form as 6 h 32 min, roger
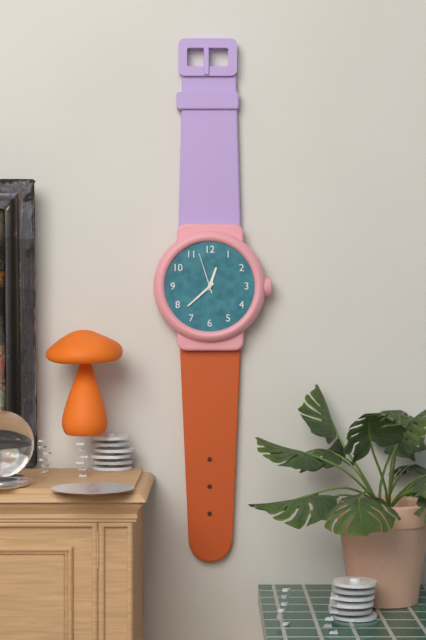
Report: 12 h 38 min
